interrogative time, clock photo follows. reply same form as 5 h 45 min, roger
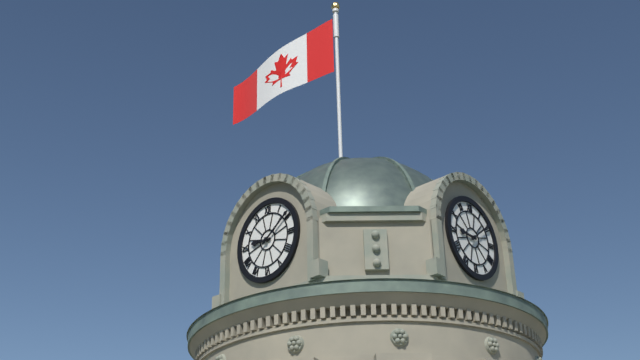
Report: 9 h 09 min
